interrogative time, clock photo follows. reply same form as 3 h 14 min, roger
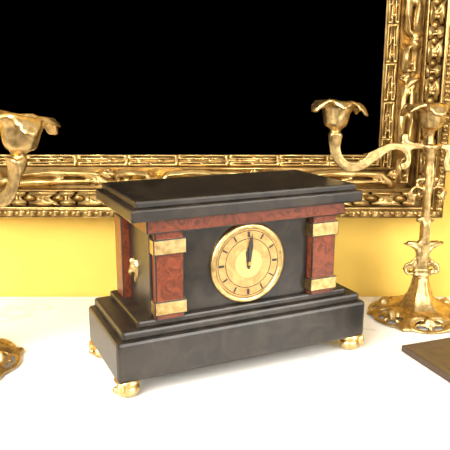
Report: 12 h 01 min
